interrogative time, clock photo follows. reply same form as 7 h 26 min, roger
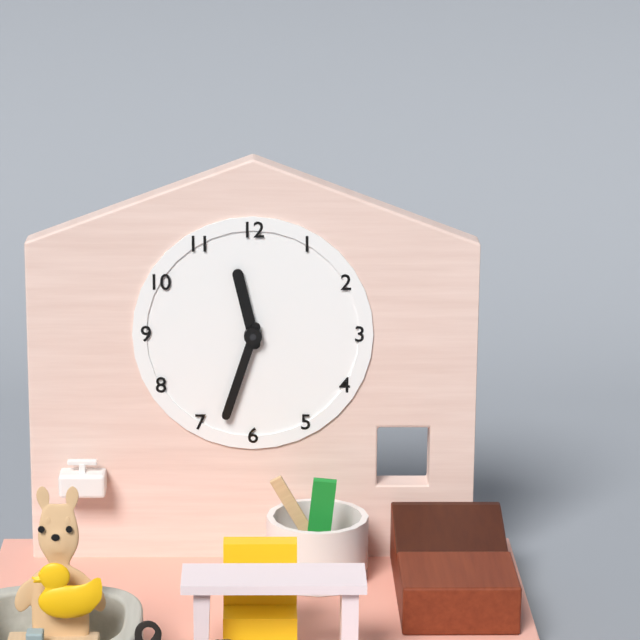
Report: 11 h 33 min
